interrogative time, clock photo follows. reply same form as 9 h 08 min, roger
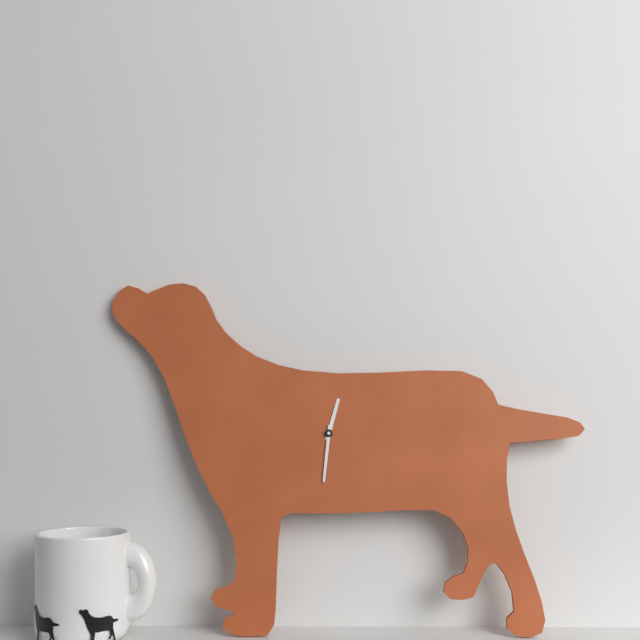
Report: 12 h 31 min
